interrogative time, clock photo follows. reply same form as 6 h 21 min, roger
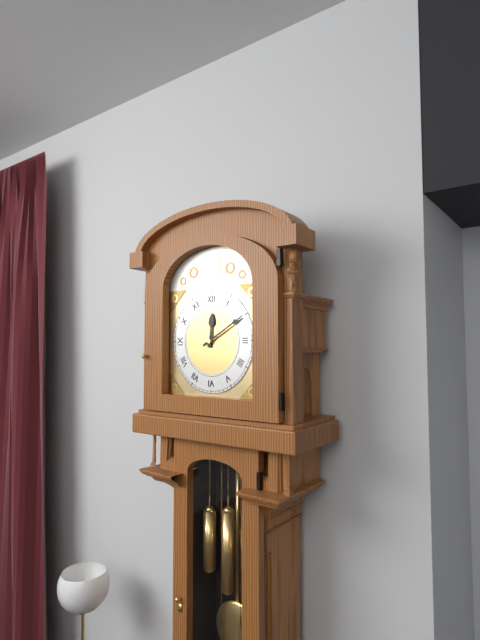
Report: 12 h 10 min
